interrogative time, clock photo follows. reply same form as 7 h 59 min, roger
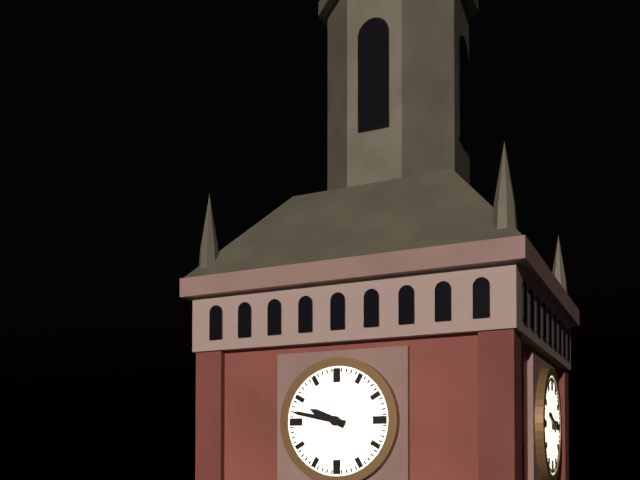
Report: 9 h 47 min
